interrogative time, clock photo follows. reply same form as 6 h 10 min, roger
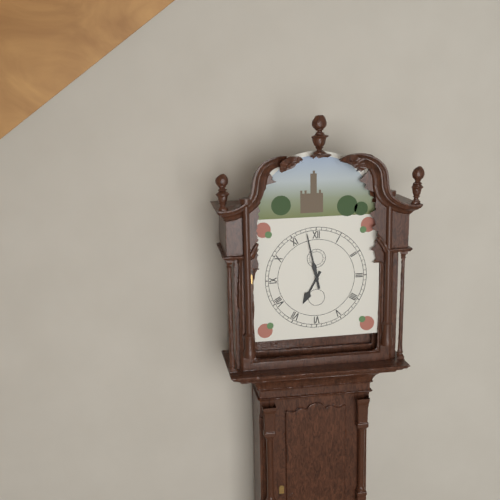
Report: 6 h 58 min
